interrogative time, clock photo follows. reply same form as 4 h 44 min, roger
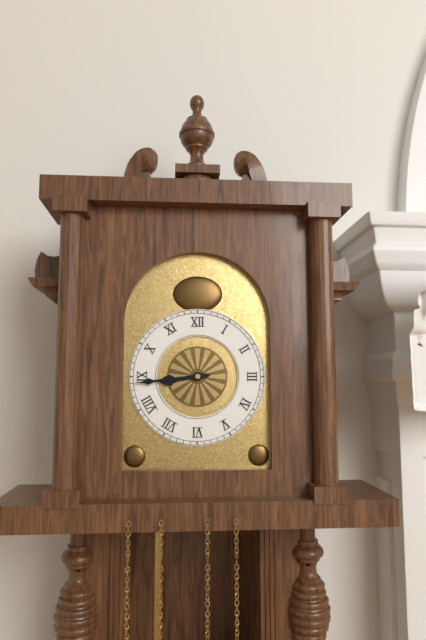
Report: 8 h 44 min
